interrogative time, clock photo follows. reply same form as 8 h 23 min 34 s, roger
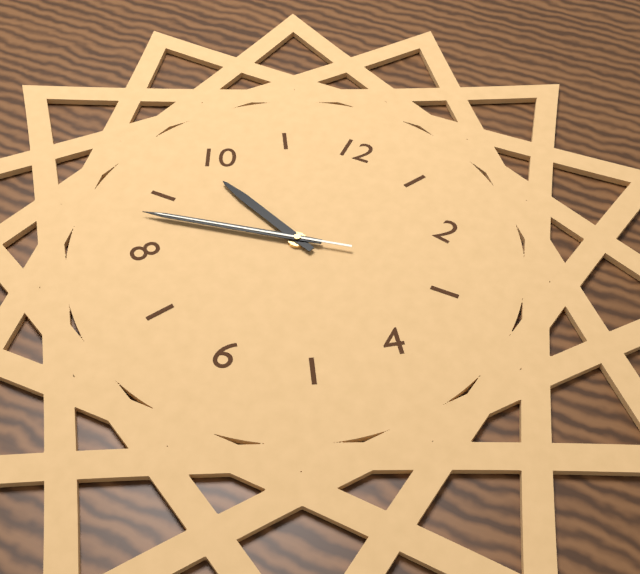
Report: 9 h 43 min 43 s
